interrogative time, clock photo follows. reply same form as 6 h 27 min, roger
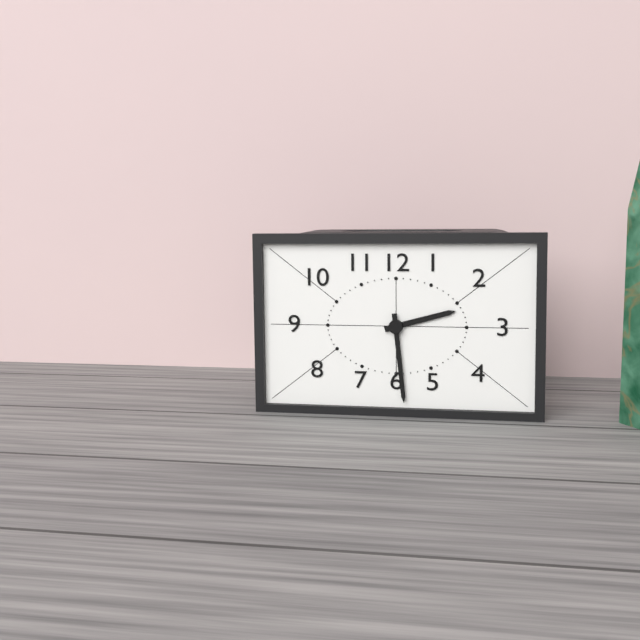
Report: 2 h 29 min
